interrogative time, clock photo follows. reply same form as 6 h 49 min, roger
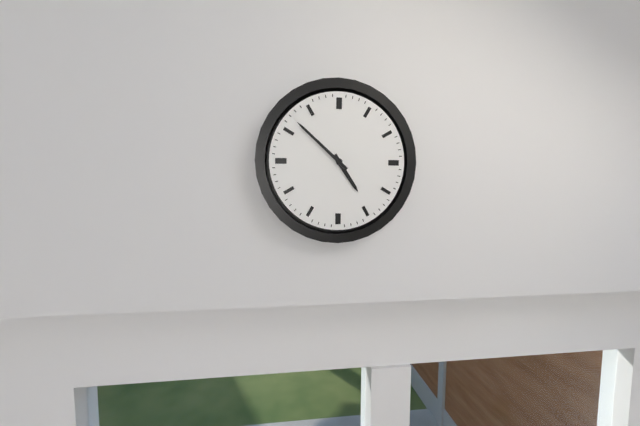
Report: 4 h 52 min
